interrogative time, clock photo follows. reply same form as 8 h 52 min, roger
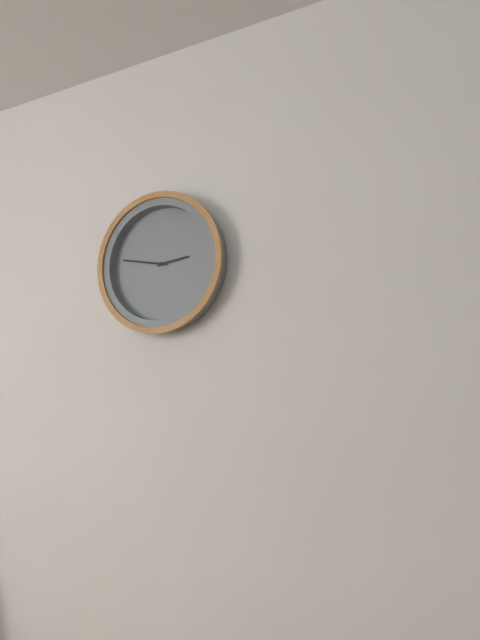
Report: 2 h 47 min
